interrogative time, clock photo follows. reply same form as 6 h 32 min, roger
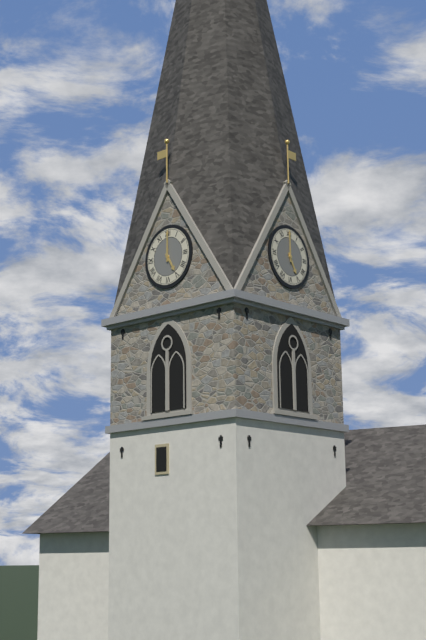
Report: 5 h 00 min
